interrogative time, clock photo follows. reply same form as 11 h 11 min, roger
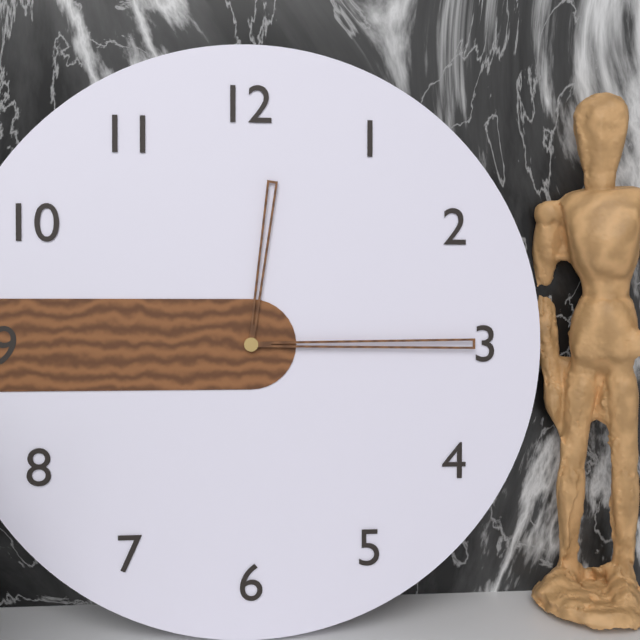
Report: 12 h 15 min
